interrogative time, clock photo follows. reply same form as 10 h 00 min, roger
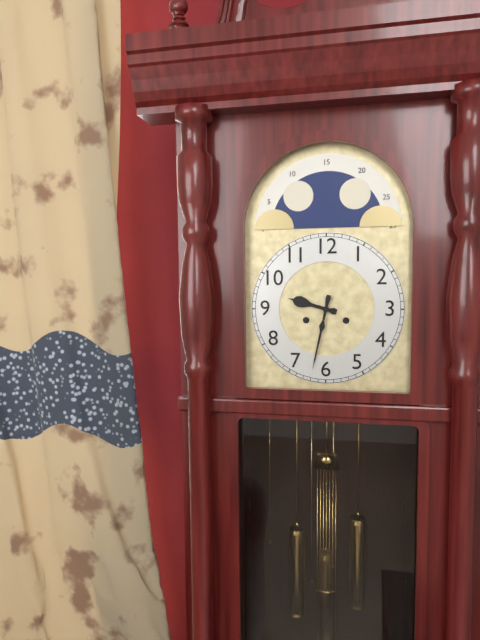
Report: 9 h 32 min
